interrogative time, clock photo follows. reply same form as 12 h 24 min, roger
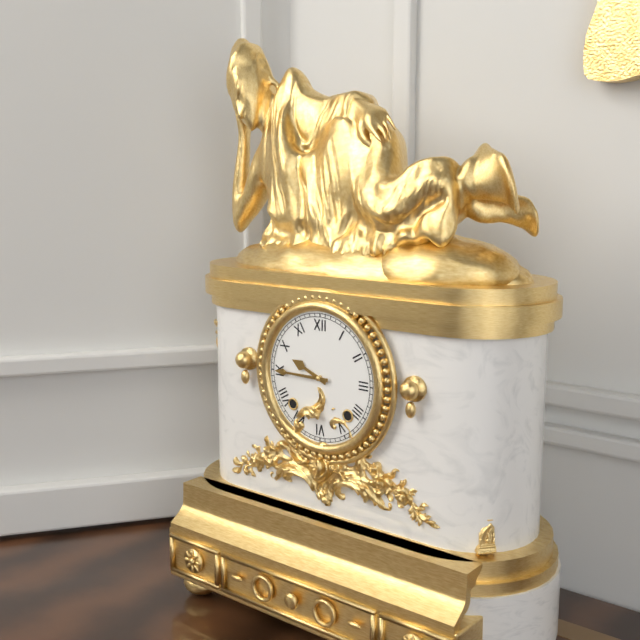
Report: 9 h 45 min
